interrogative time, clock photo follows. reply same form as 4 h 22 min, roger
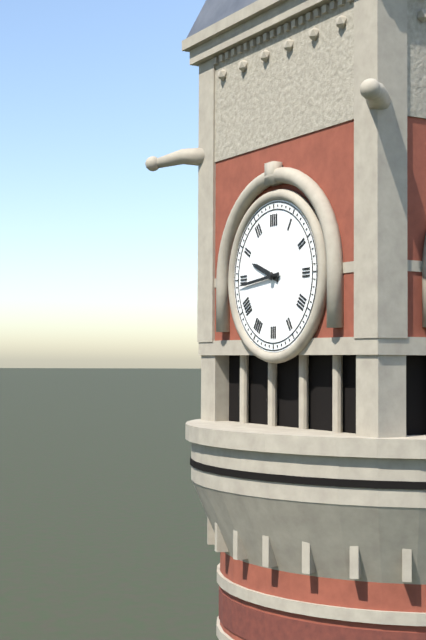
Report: 9 h 44 min
